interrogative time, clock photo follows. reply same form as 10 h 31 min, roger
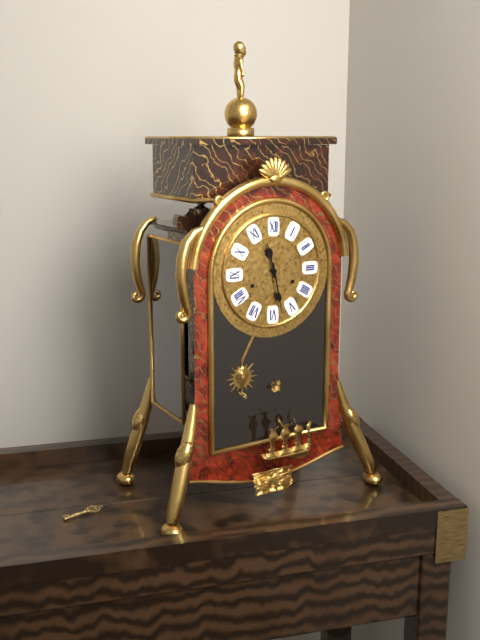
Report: 11 h 28 min
